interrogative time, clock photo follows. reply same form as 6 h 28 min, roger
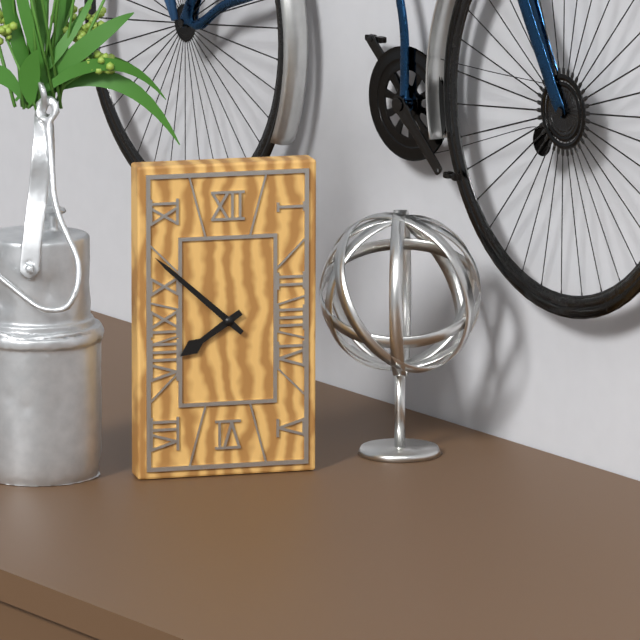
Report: 7 h 52 min
